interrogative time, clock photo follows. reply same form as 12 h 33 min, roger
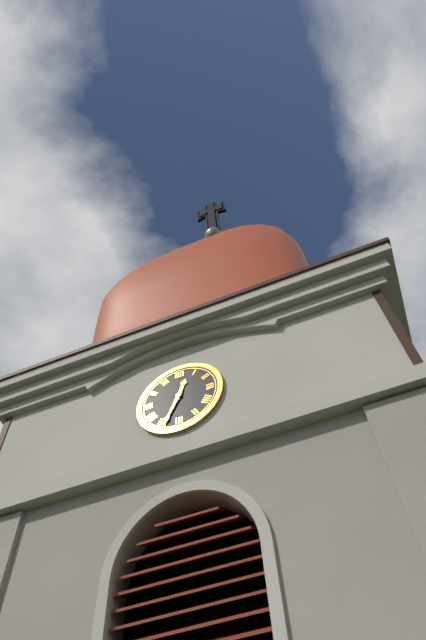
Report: 12 h 34 min
